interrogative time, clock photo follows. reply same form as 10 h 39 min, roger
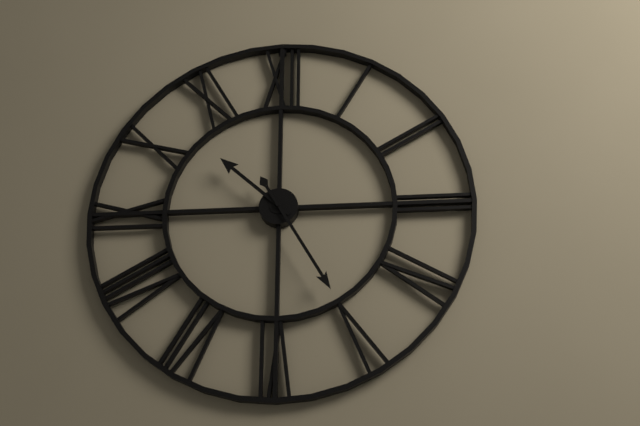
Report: 10 h 25 min
